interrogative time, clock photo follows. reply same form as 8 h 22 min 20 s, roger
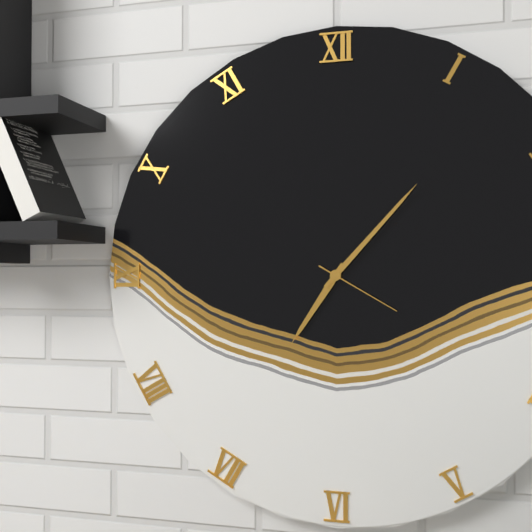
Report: 7 h 07 min 20 s
